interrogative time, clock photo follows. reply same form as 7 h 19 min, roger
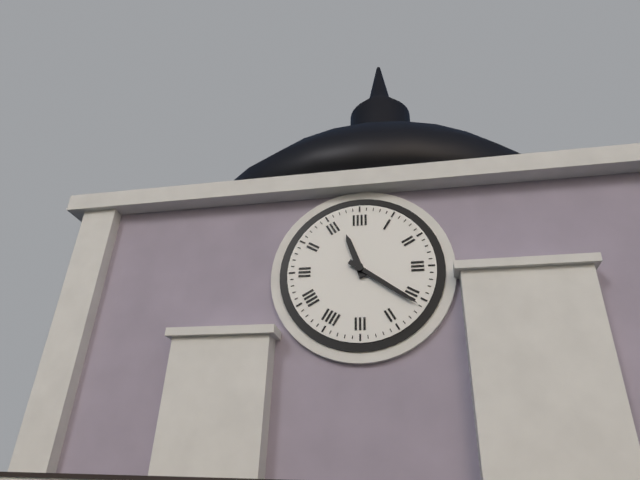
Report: 11 h 21 min
